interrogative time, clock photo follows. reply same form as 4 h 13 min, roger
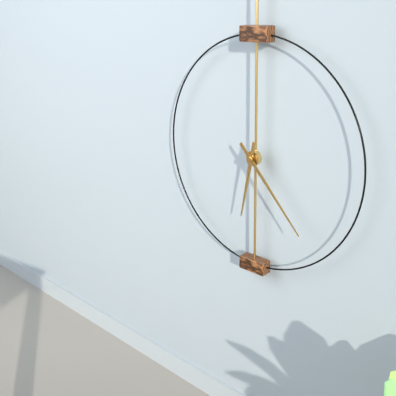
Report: 6 h 23 min
